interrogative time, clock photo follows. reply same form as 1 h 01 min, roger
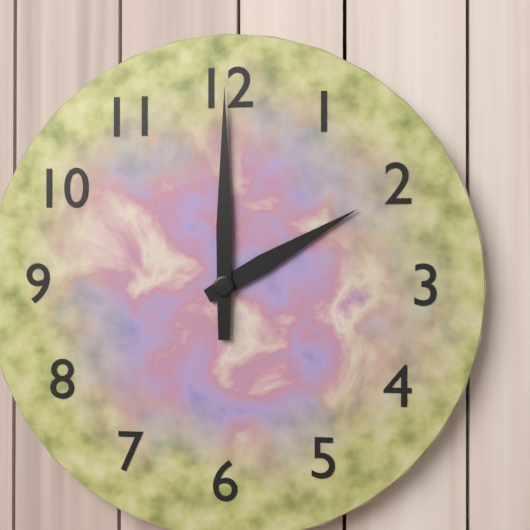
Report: 2 h 00 min
